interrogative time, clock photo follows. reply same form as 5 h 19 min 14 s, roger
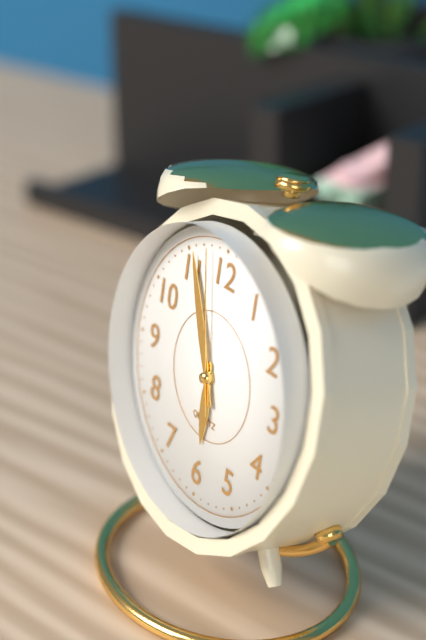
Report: 5 h 56 min 58 s
